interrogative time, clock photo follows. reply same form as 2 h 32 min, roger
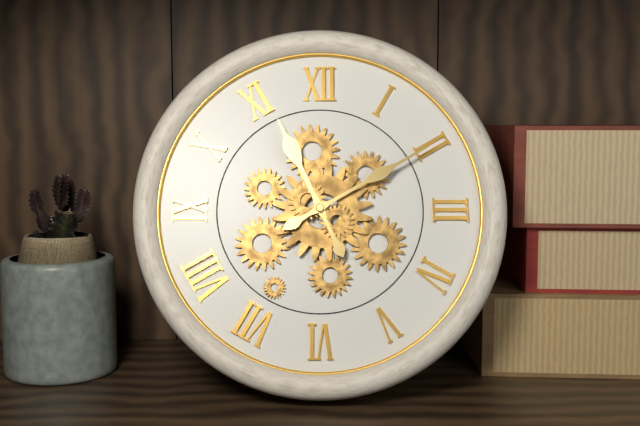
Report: 11 h 10 min
